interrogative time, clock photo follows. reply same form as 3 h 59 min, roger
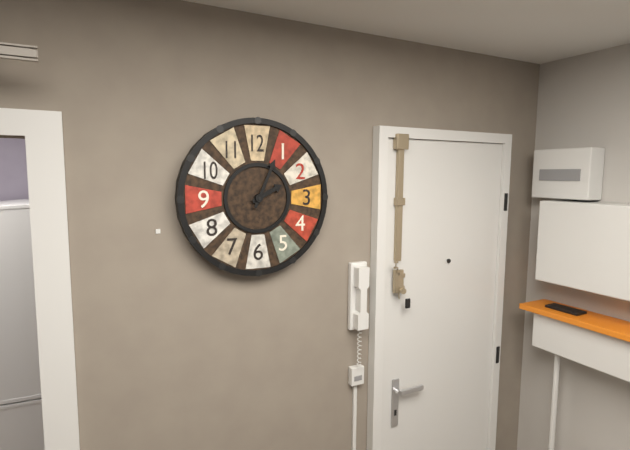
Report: 2 h 04 min
